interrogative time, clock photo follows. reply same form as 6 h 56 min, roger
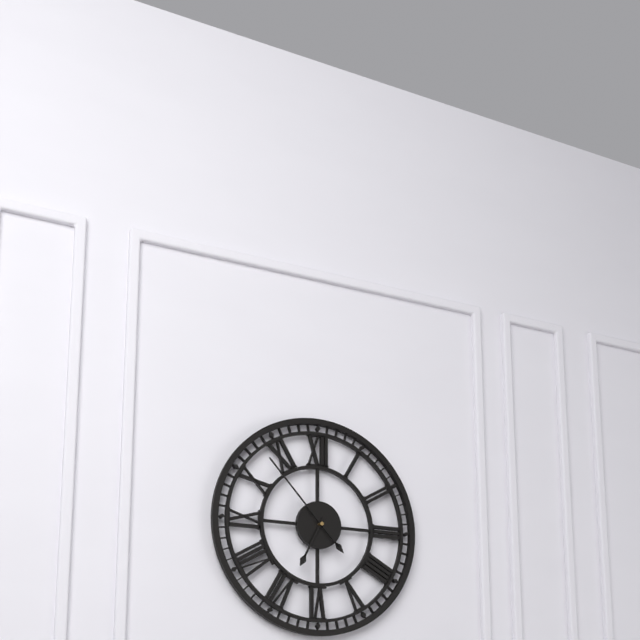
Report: 6 h 53 min
